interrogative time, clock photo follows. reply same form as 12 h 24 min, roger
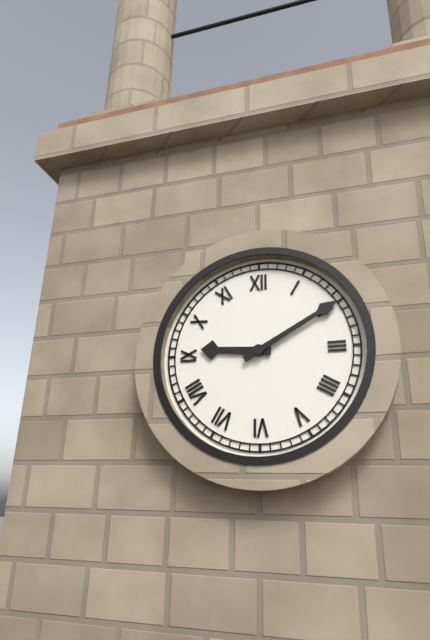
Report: 9 h 10 min
